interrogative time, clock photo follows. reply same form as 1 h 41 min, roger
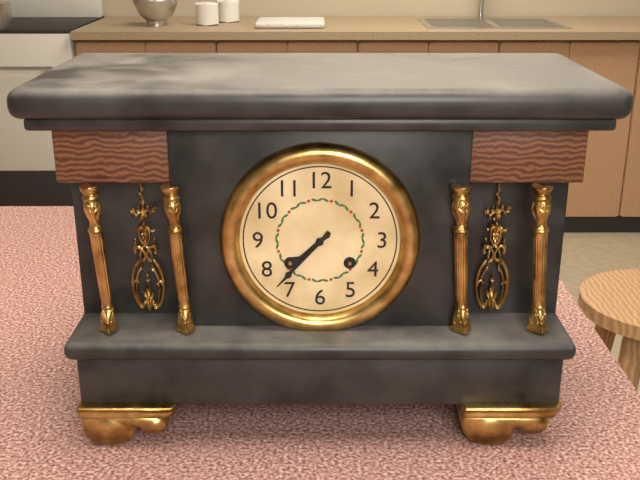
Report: 7 h 37 min
